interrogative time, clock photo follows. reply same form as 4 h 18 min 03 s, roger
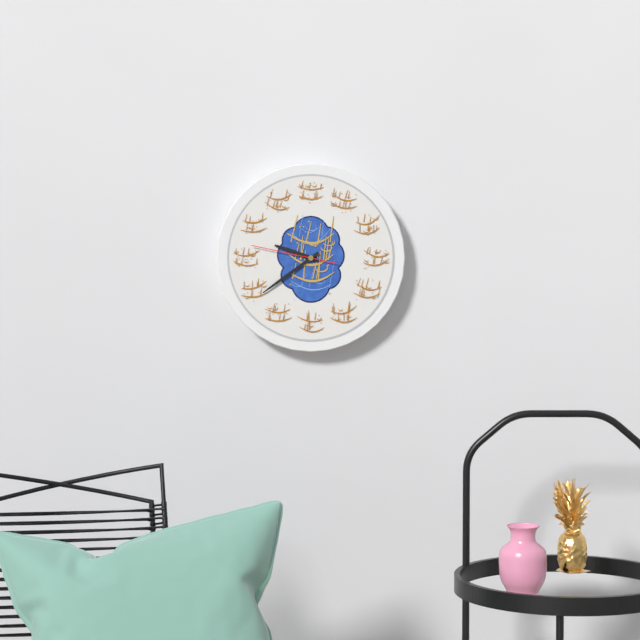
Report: 9 h 39 min 47 s
